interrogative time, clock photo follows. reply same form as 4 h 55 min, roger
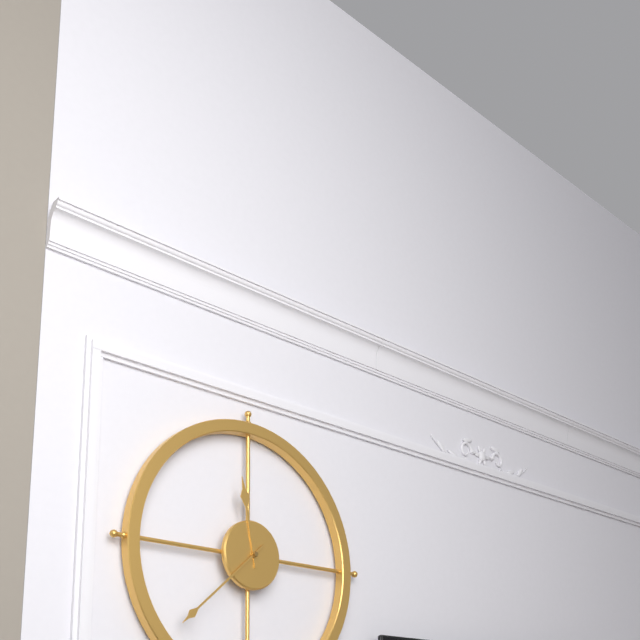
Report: 11 h 38 min
